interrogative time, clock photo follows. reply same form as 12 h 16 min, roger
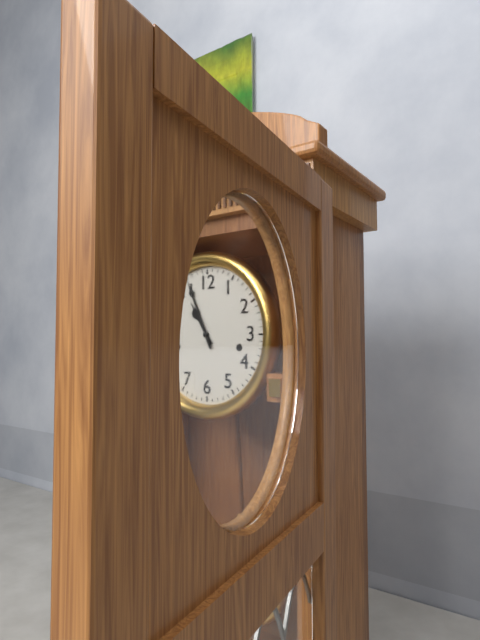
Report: 10 h 56 min
